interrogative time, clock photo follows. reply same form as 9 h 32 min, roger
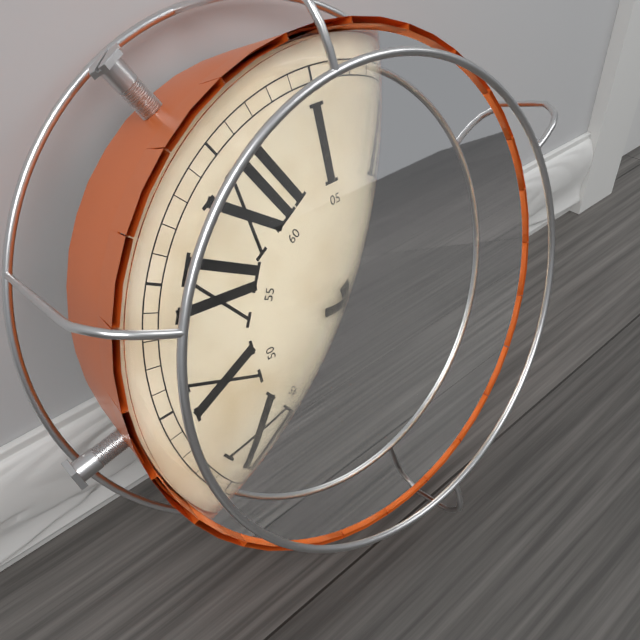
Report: 6 h 22 min
